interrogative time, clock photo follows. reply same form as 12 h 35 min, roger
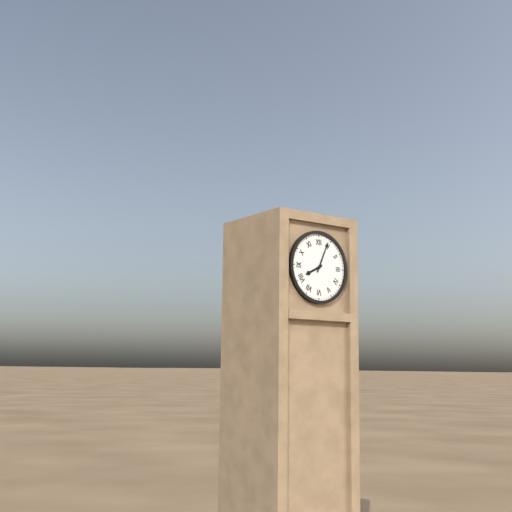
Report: 8 h 04 min
